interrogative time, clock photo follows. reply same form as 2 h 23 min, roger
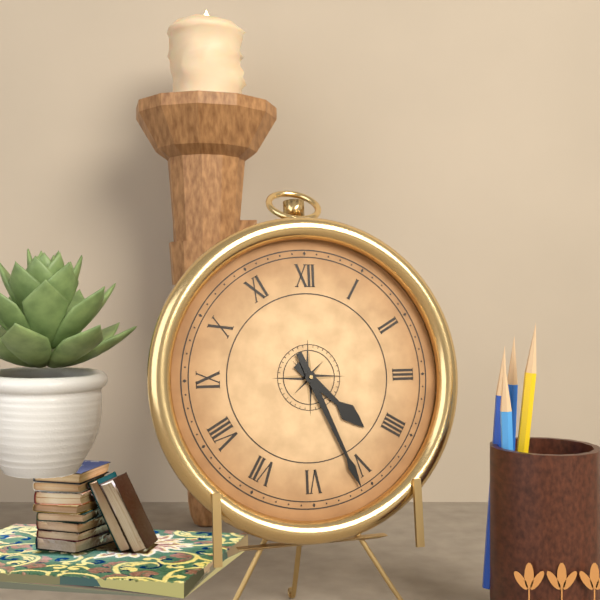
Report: 4 h 26 min
